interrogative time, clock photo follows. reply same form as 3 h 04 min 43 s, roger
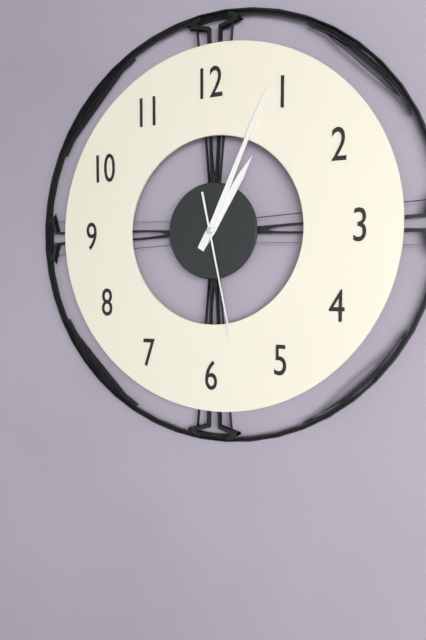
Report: 1 h 04 min 28 s
